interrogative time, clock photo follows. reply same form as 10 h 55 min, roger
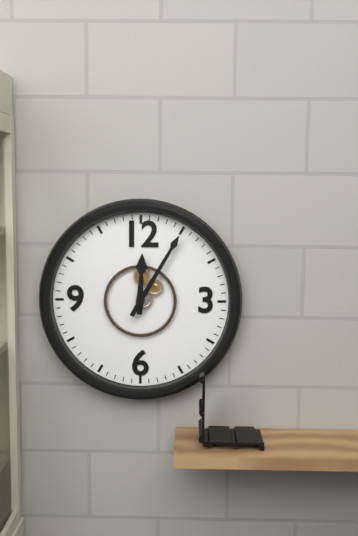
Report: 12 h 05 min
